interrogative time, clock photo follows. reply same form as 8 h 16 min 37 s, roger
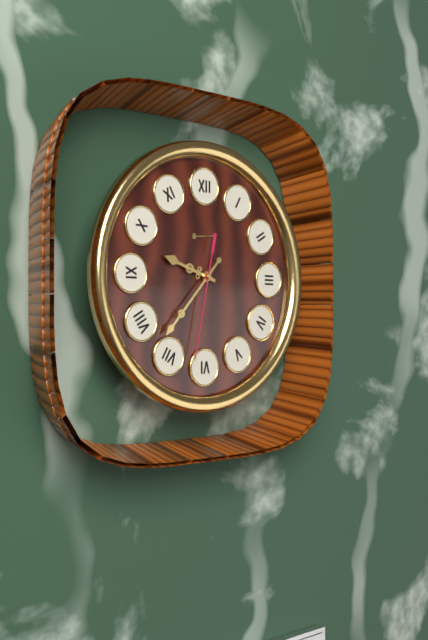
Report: 9 h 37 min 32 s
